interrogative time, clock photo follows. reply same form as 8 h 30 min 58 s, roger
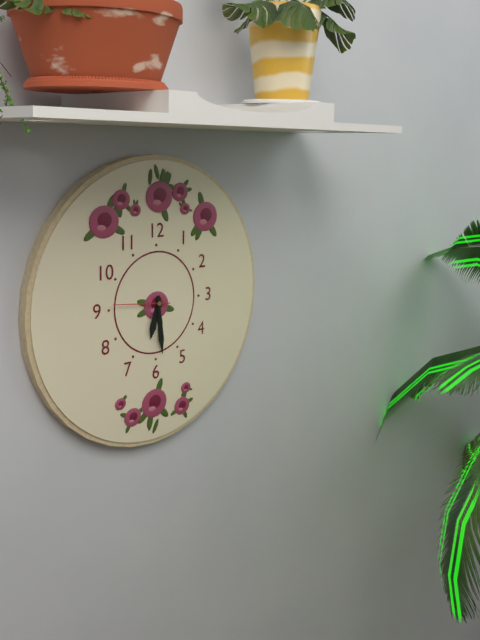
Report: 6 h 29 min 46 s
